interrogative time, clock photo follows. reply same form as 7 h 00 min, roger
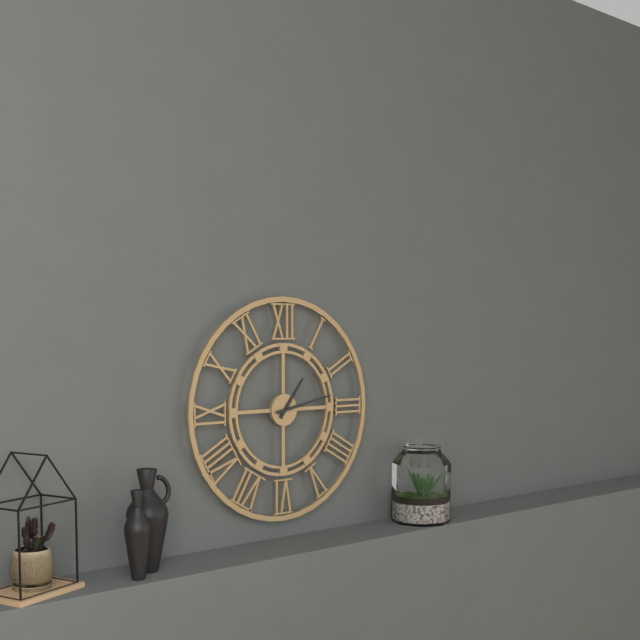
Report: 1 h 13 min
